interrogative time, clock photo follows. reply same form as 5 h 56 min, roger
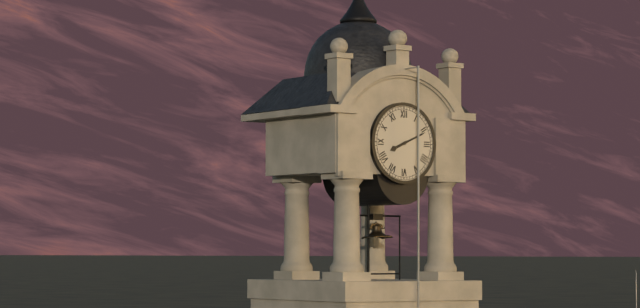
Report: 8 h 11 min
